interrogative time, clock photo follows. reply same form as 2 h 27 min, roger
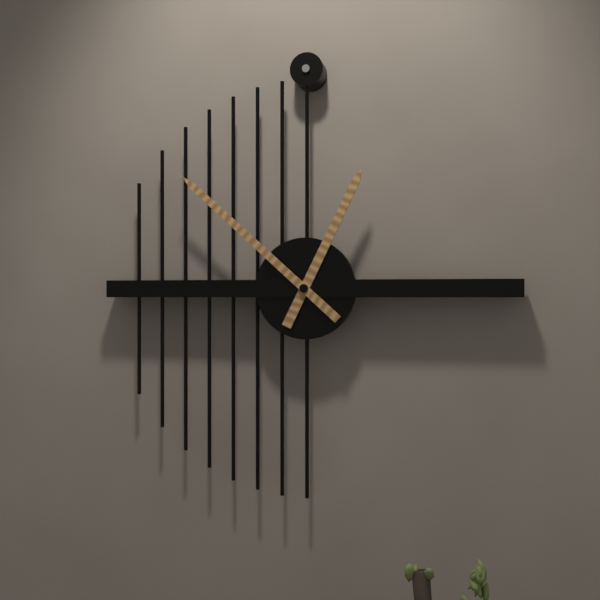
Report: 12 h 52 min
